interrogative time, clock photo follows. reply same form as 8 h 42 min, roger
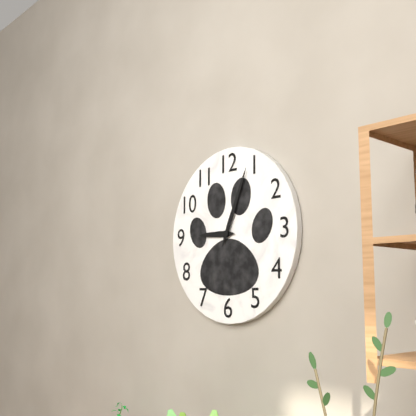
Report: 9 h 04 min
